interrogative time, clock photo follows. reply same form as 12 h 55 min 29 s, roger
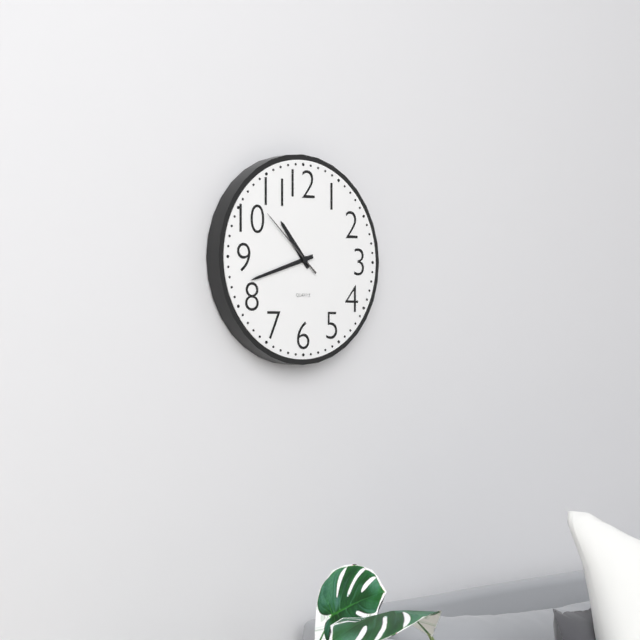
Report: 10 h 42 min 52 s
